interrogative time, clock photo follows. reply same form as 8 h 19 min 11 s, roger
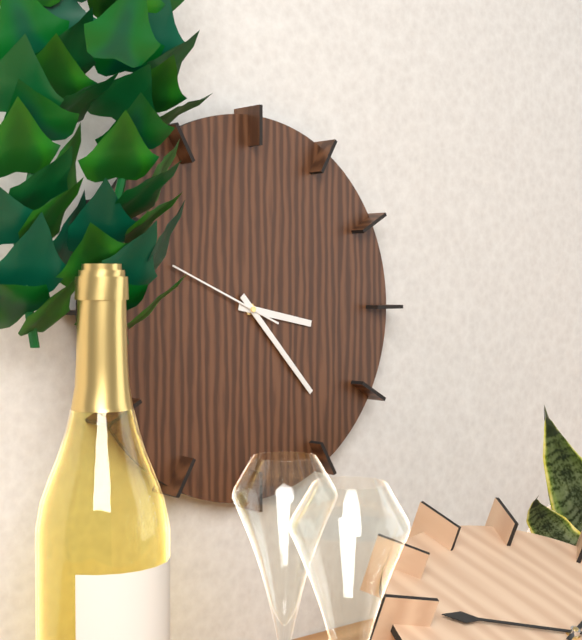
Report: 3 h 23 min 49 s
